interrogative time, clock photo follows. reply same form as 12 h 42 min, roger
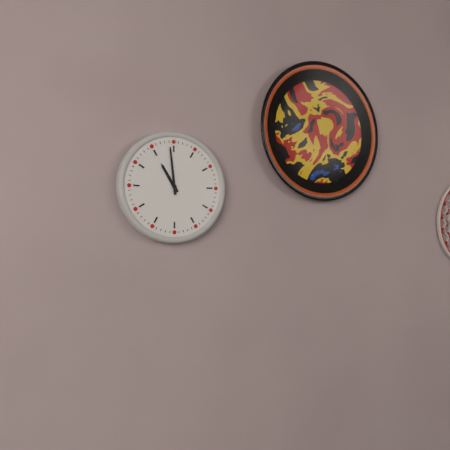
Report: 10 h 59 min
